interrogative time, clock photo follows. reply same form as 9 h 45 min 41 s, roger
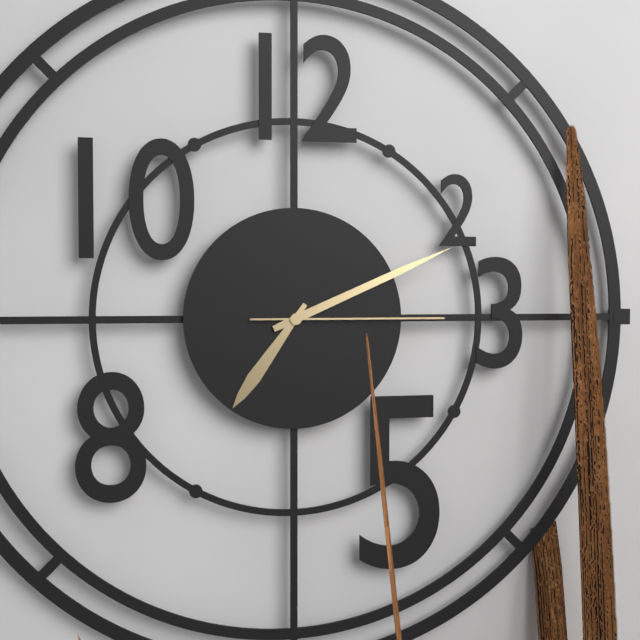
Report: 7 h 11 min 15 s
